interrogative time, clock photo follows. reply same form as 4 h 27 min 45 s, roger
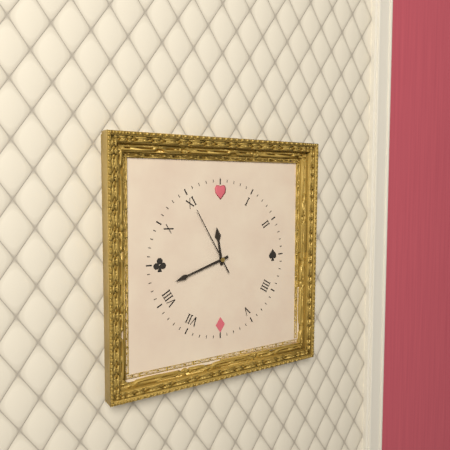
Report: 11 h 42 min 55 s
